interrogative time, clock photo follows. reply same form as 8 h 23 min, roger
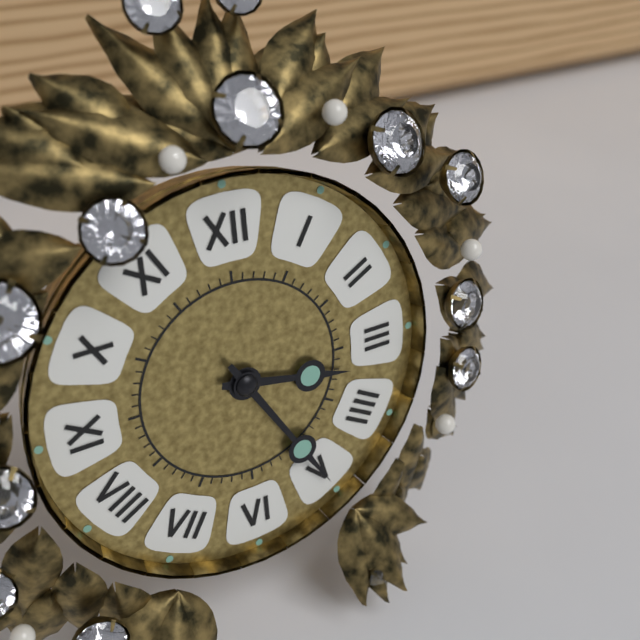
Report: 3 h 25 min
